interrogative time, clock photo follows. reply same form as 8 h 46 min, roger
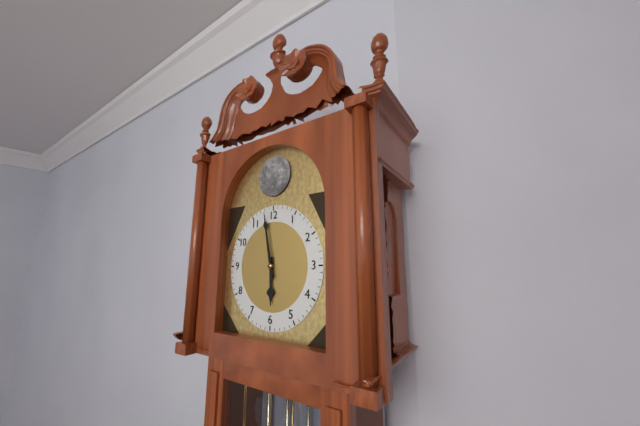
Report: 5 h 58 min
